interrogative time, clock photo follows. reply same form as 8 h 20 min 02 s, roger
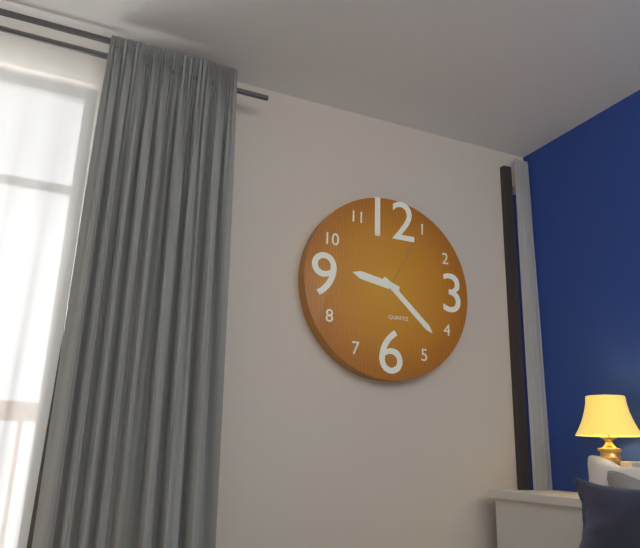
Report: 9 h 22 min 05 s
